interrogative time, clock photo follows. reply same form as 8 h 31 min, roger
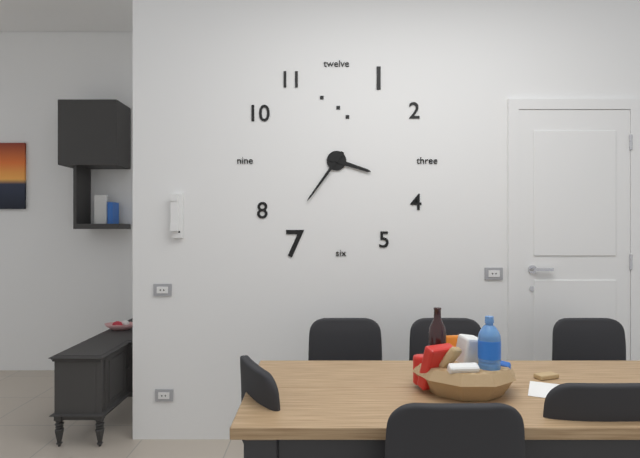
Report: 3 h 36 min
